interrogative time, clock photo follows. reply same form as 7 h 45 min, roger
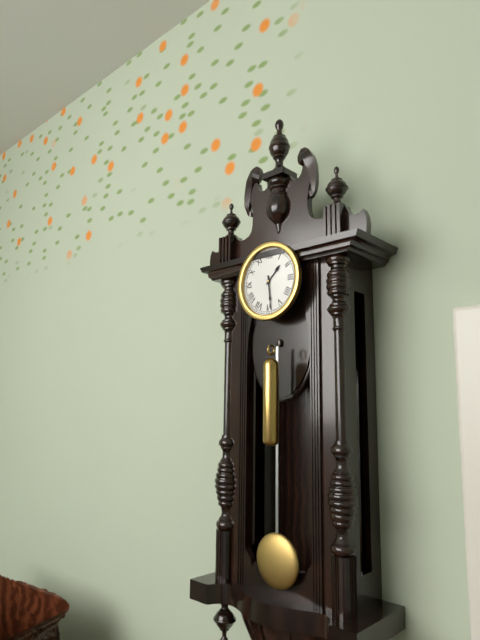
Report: 1 h 29 min
